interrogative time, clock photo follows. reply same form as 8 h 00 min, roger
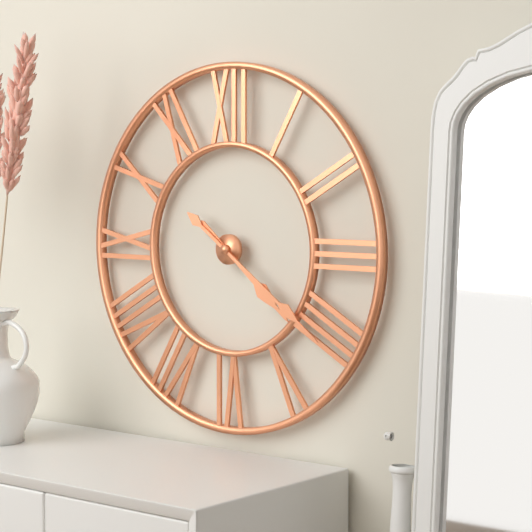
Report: 4 h 21 min
